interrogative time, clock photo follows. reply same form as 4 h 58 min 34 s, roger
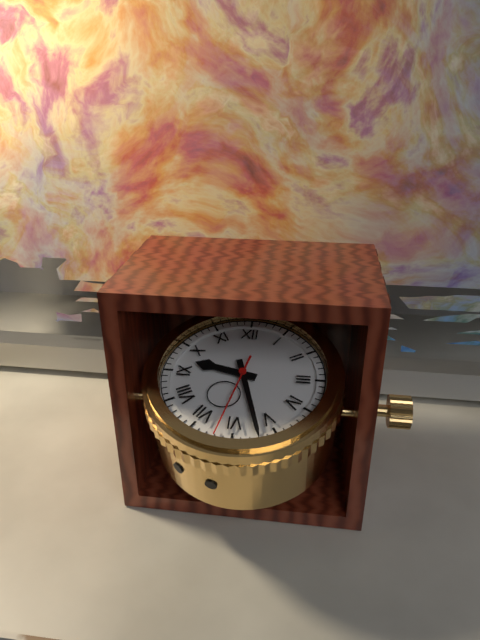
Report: 9 h 27 min 32 s
